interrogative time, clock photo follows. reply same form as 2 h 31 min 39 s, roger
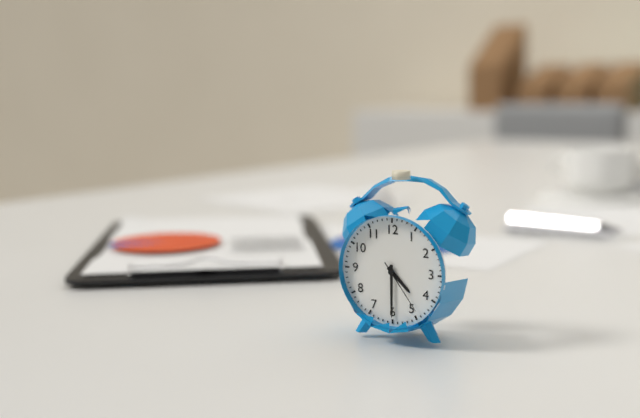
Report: 4 h 30 min 24 s
